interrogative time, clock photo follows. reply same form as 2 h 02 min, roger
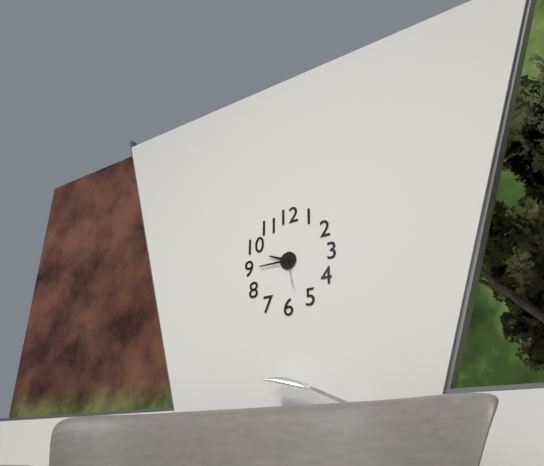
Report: 9 h 45 min
